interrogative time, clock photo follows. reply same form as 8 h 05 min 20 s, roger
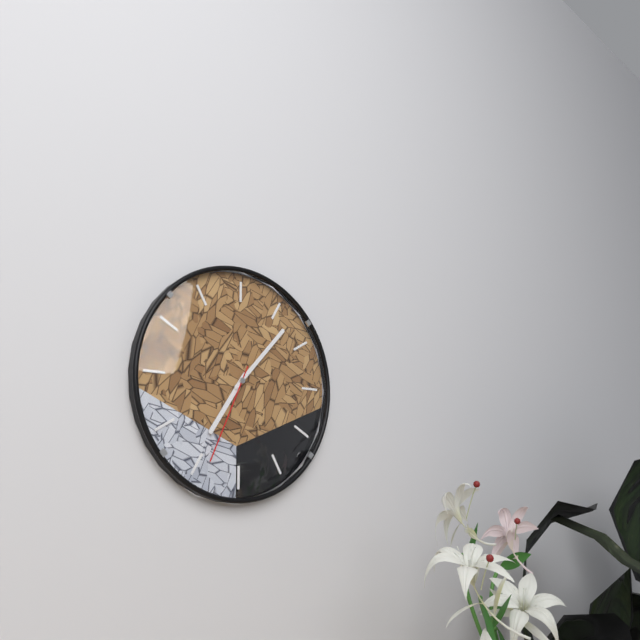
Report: 7 h 07 min 34 s
